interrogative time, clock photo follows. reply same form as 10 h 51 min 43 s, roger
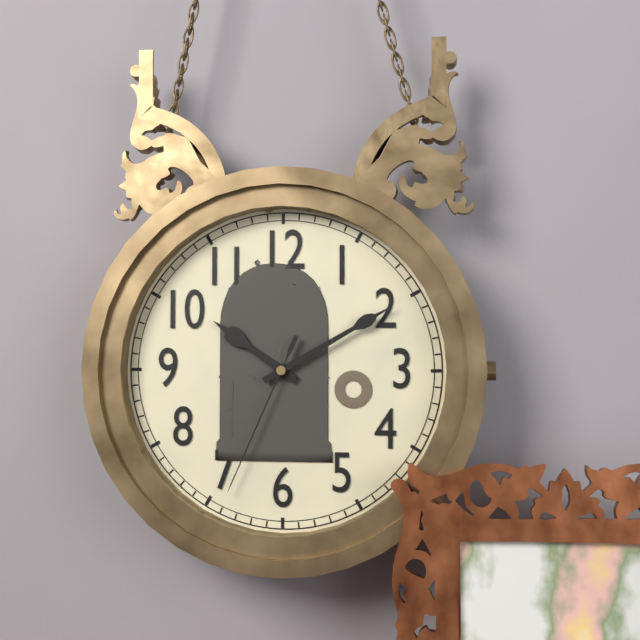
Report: 10 h 10 min 34 s
